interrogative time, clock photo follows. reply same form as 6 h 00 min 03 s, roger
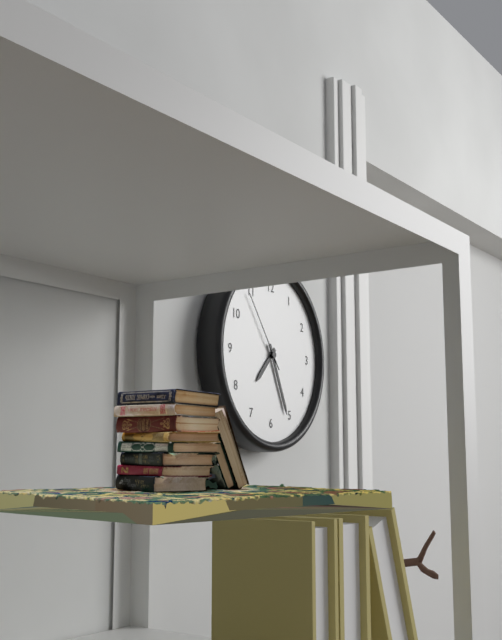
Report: 7 h 26 min 54 s
